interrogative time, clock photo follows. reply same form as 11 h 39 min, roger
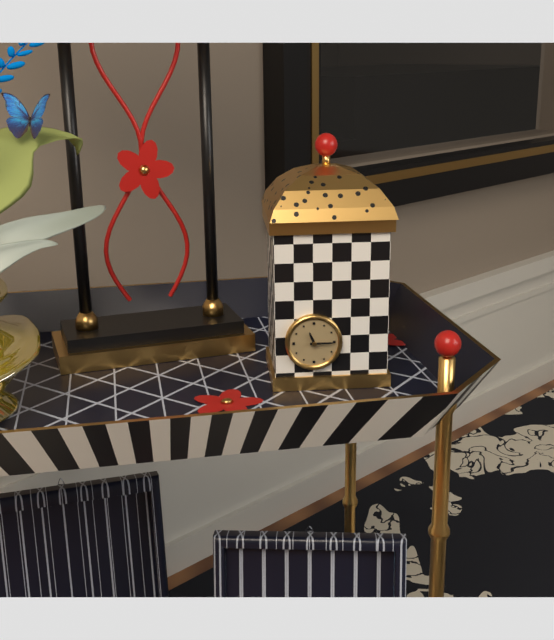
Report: 11 h 15 min
